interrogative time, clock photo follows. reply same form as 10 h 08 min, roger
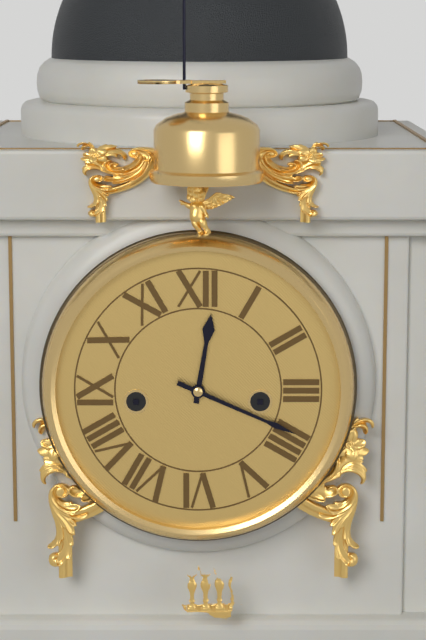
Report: 12 h 19 min
